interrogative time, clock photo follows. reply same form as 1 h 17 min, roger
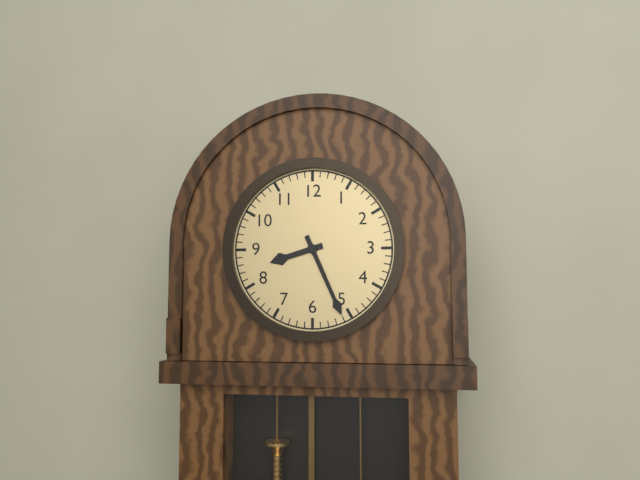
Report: 8 h 26 min
